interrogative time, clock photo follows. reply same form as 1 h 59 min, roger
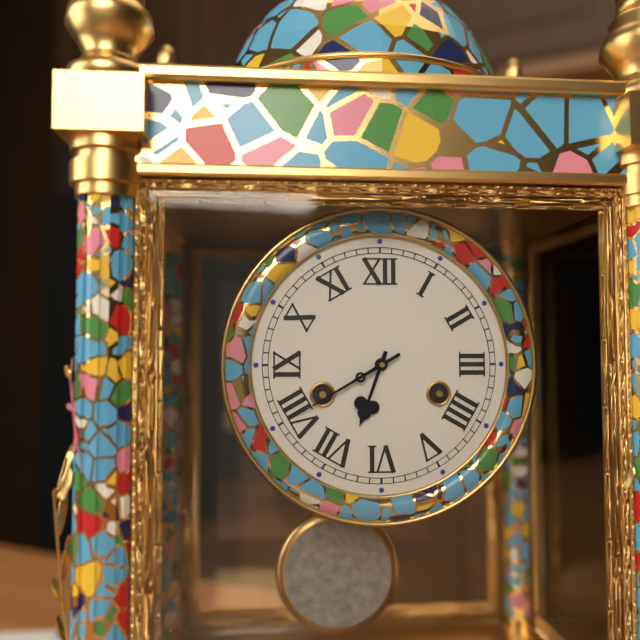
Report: 6 h 40 min
